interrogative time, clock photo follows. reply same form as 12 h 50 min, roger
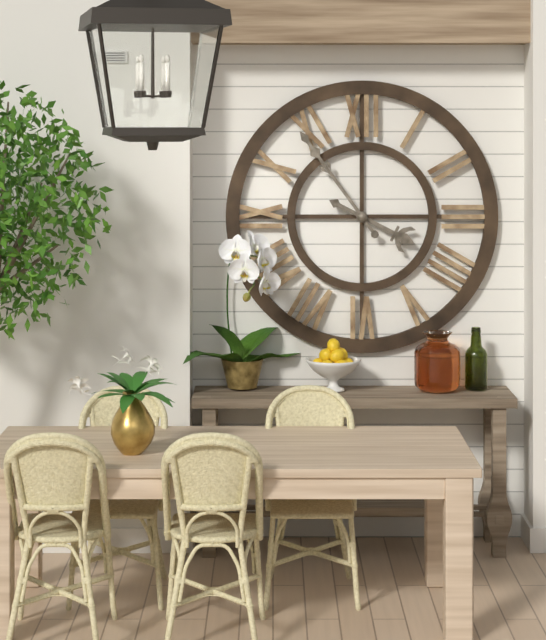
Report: 3 h 54 min
